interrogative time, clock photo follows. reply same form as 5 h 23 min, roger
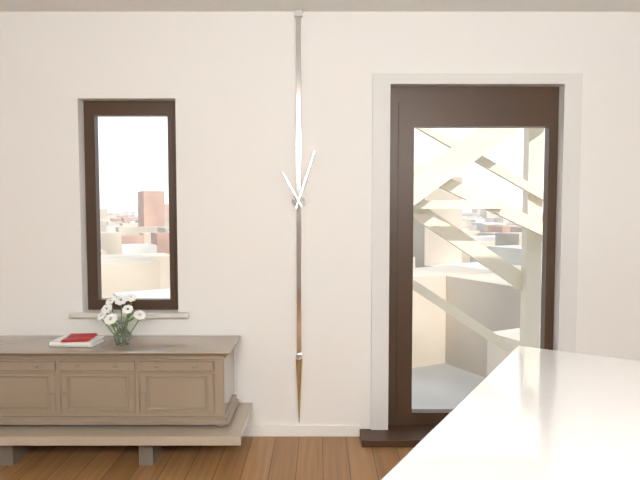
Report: 11 h 03 min
